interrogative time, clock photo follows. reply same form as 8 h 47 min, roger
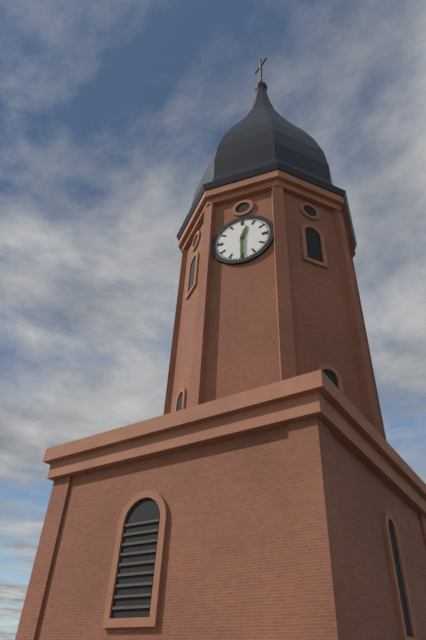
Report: 12 h 30 min
